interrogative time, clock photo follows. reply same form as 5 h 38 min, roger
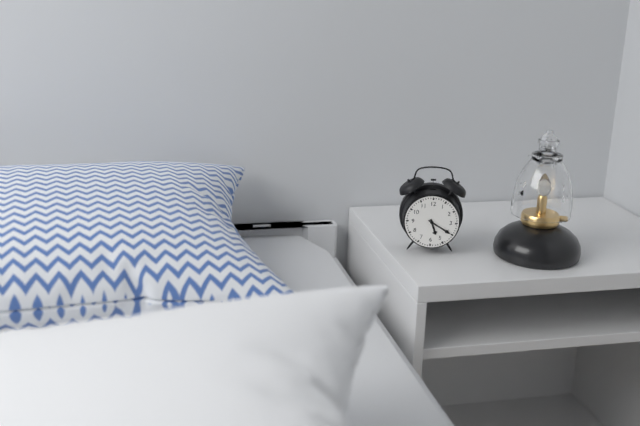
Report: 5 h 20 min
